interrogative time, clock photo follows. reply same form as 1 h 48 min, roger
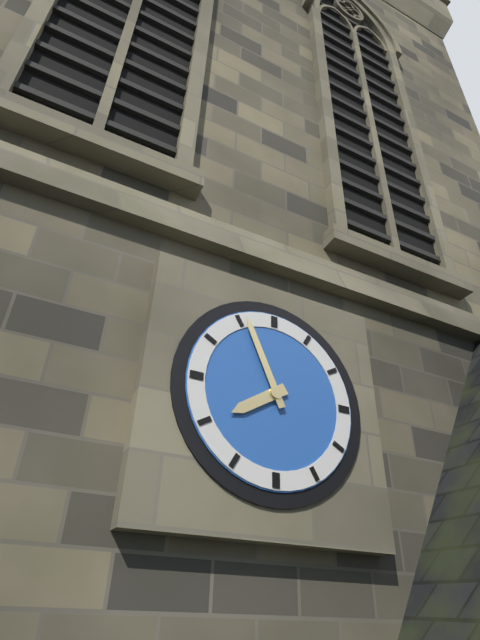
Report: 7 h 56 min
